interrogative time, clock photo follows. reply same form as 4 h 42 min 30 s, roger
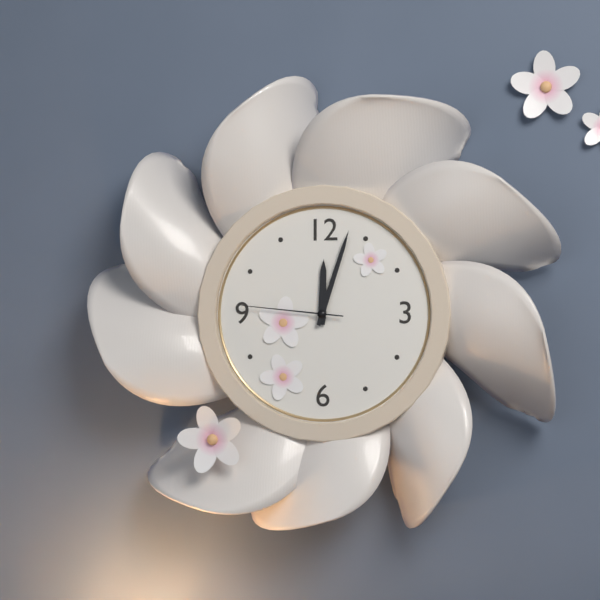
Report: 12 h 03 min 46 s
